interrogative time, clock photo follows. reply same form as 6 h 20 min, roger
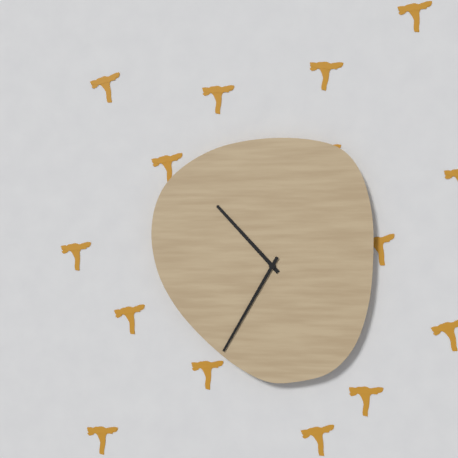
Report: 10 h 35 min
